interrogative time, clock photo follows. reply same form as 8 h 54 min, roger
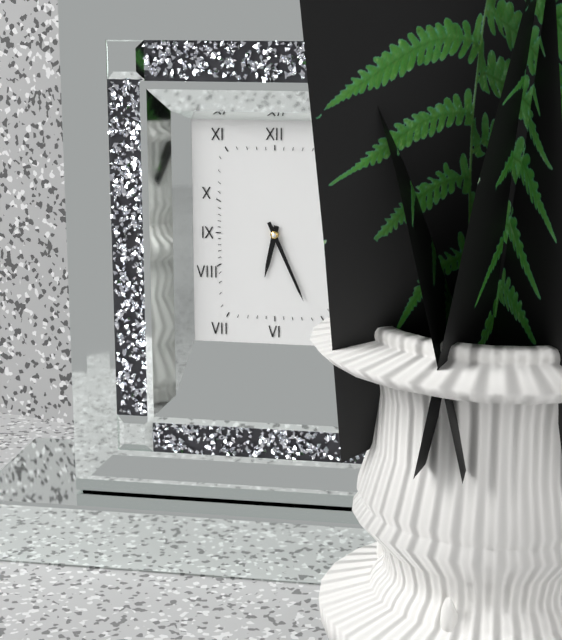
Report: 6 h 26 min
